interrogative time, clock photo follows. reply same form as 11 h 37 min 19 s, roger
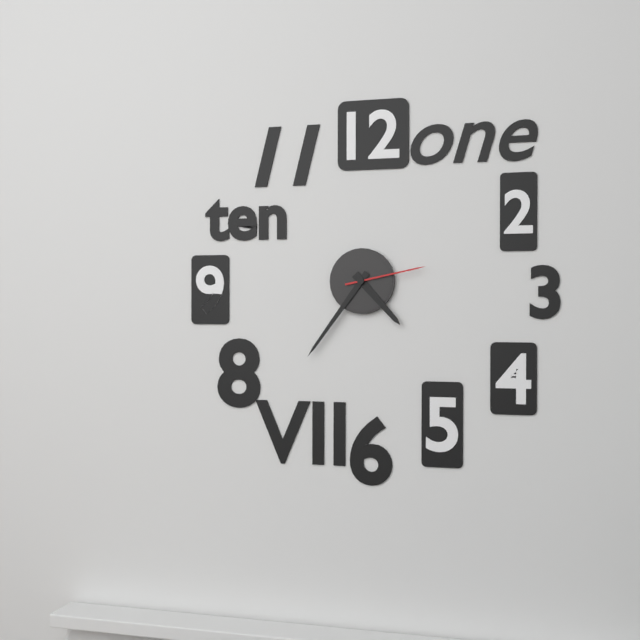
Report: 4 h 36 min 13 s
